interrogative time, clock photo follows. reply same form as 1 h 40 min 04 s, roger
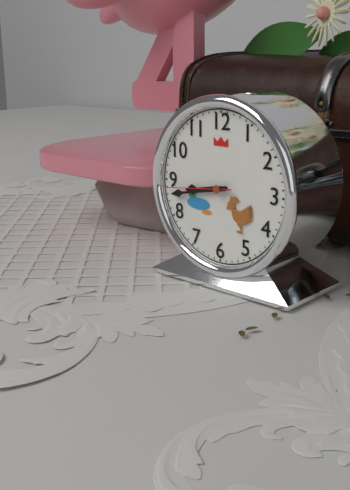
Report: 8 h 43 min 44 s
